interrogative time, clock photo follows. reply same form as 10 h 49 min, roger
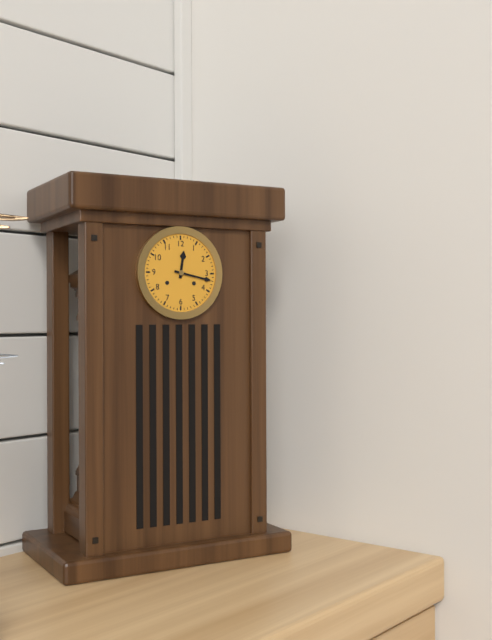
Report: 12 h 17 min
